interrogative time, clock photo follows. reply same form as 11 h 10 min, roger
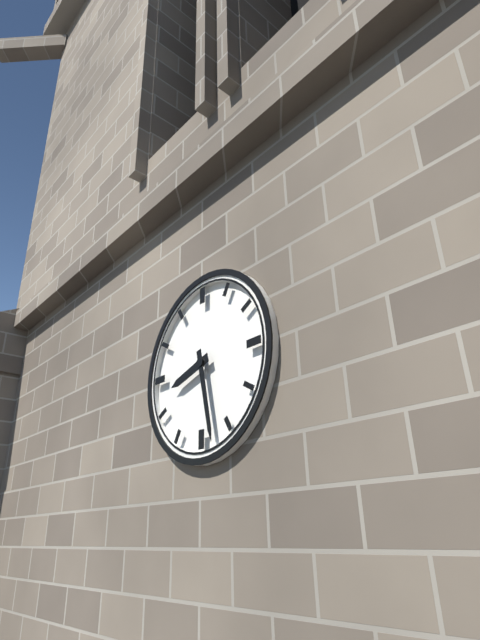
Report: 8 h 28 min
